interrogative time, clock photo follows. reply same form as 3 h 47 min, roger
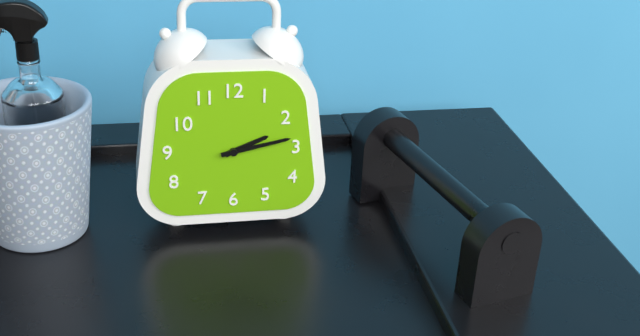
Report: 2 h 13 min
